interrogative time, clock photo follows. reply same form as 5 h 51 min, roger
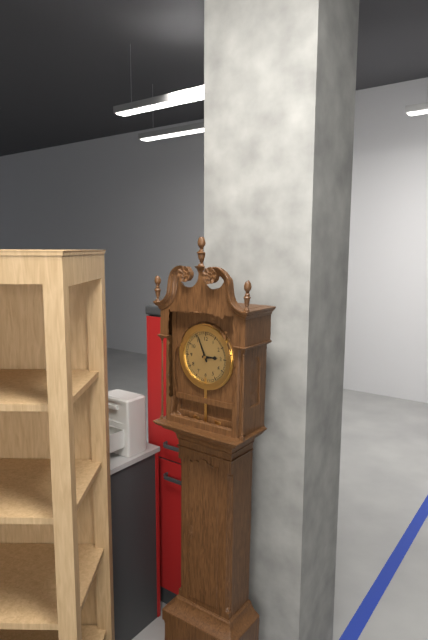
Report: 2 h 56 min
